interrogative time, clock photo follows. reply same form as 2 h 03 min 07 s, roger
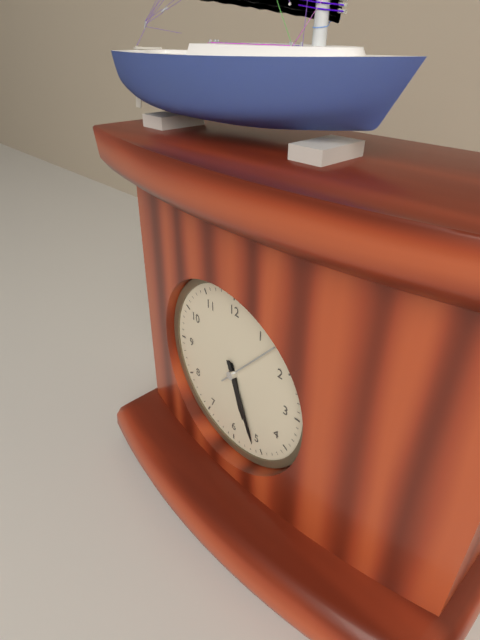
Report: 5 h 26 min 07 s
